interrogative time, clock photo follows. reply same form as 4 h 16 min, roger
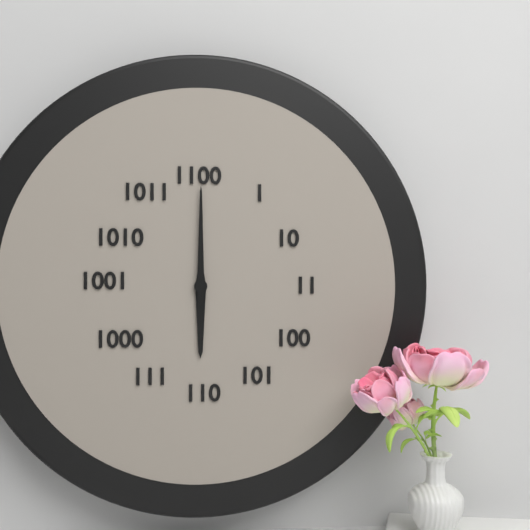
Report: 6 h 00 min
